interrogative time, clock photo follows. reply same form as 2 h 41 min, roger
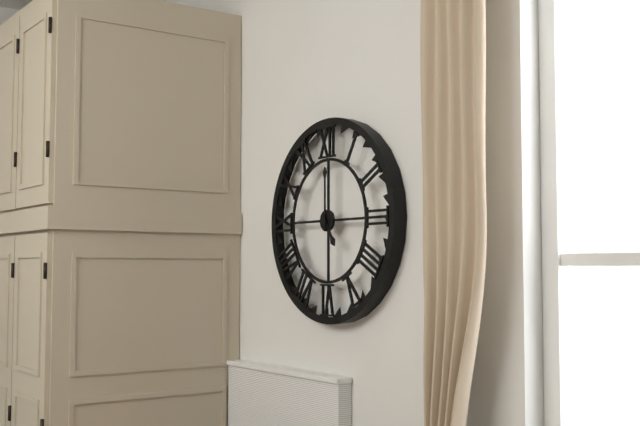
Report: 5 h 00 min
